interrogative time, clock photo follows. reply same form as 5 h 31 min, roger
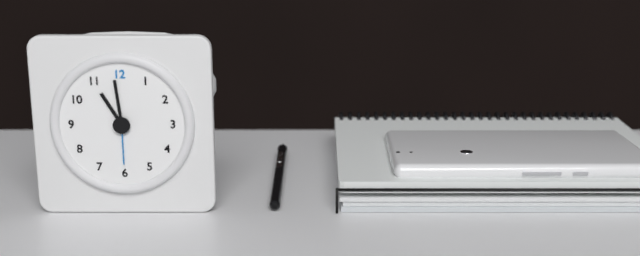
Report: 10 h 59 min
